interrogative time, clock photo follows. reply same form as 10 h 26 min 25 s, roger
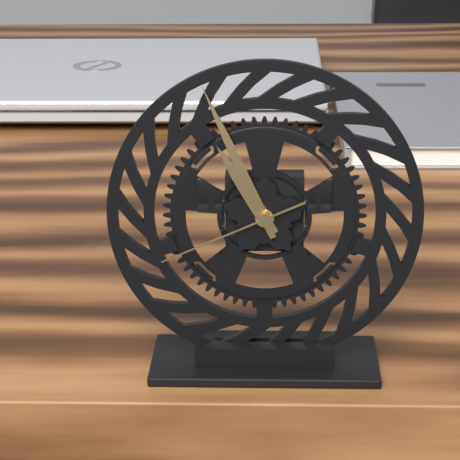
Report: 10 h 56 min 41 s
